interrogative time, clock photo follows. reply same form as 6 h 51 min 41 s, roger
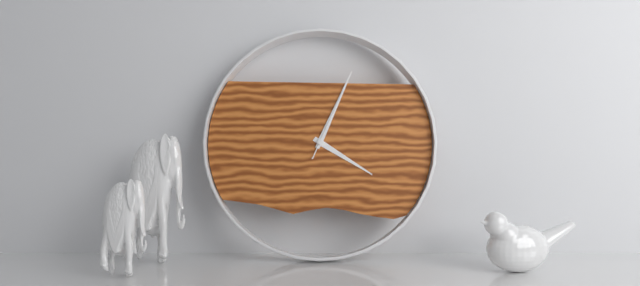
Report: 4 h 04 min 04 s
